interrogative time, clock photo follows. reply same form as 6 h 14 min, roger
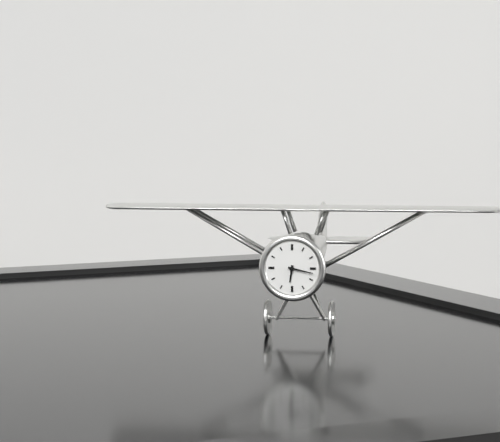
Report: 6 h 17 min
